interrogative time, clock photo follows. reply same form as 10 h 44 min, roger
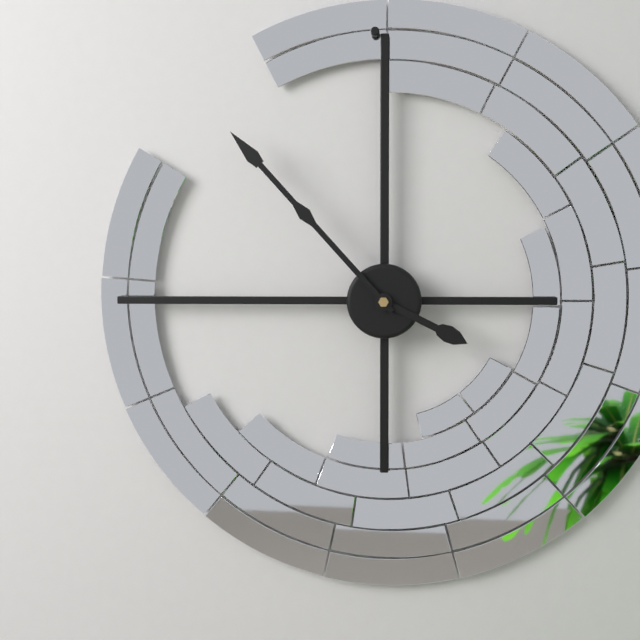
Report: 3 h 53 min
